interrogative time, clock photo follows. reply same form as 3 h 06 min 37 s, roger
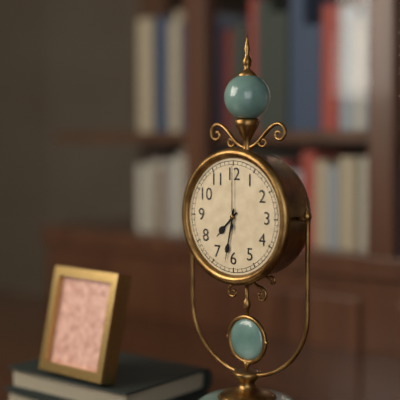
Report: 7 h 32 min 00 s
